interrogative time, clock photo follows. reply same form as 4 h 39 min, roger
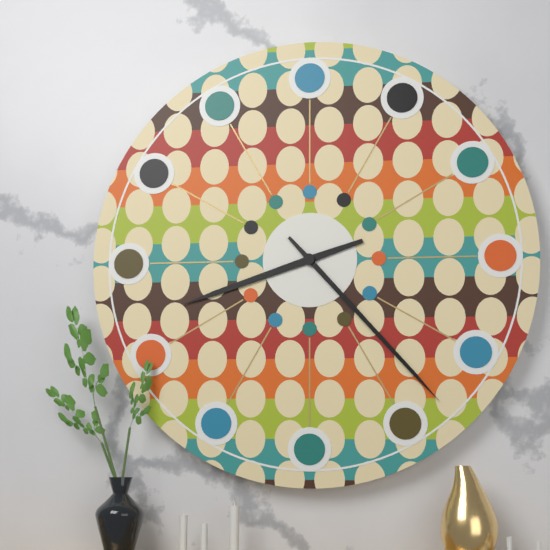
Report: 8 h 23 min
